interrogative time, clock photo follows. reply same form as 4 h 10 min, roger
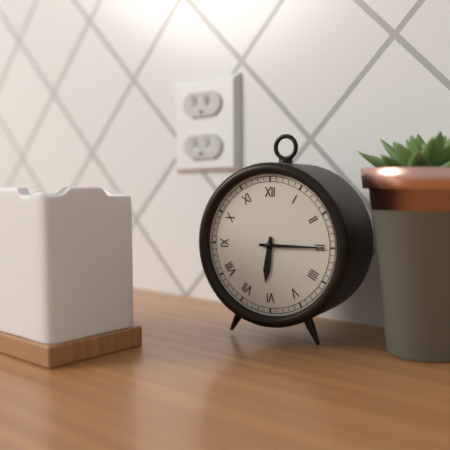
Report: 6 h 15 min
